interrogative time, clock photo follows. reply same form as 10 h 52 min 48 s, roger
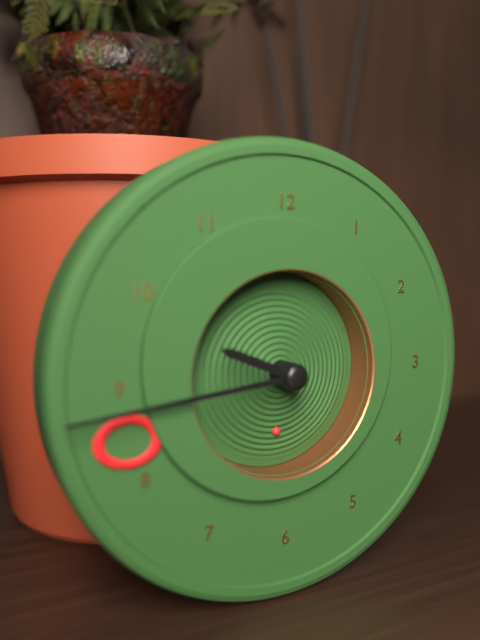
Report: 9 h 44 min 30 s
